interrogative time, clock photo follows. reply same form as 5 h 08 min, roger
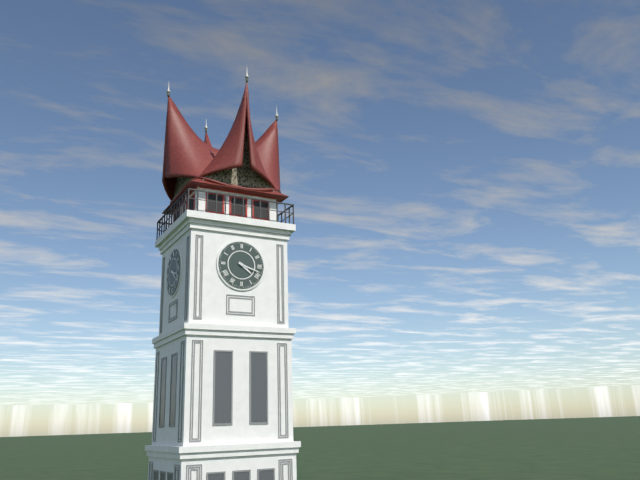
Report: 4 h 18 min
